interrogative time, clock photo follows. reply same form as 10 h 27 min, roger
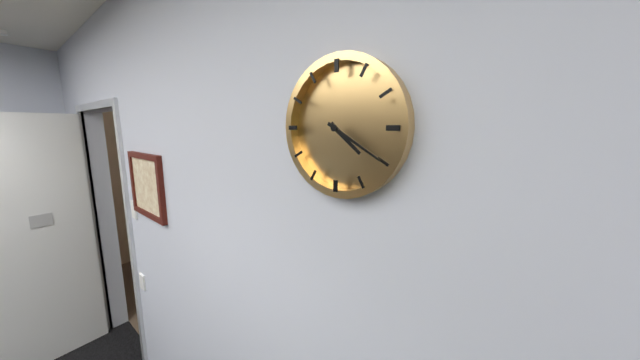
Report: 4 h 20 min
